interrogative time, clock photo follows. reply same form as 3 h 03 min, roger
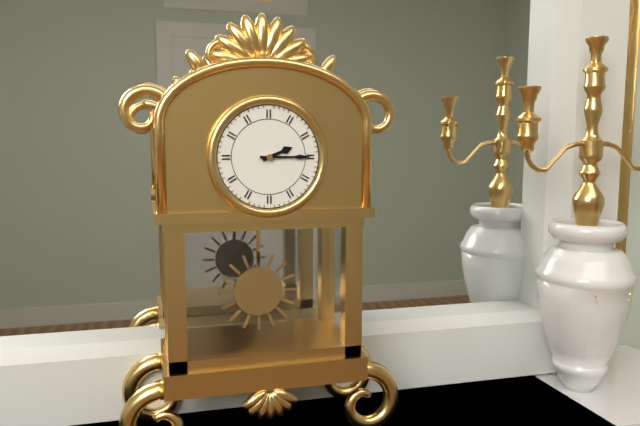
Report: 2 h 15 min
